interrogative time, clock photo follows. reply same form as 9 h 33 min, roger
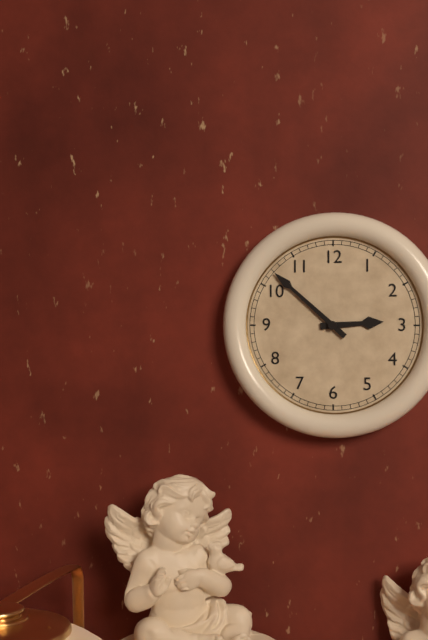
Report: 2 h 52 min
